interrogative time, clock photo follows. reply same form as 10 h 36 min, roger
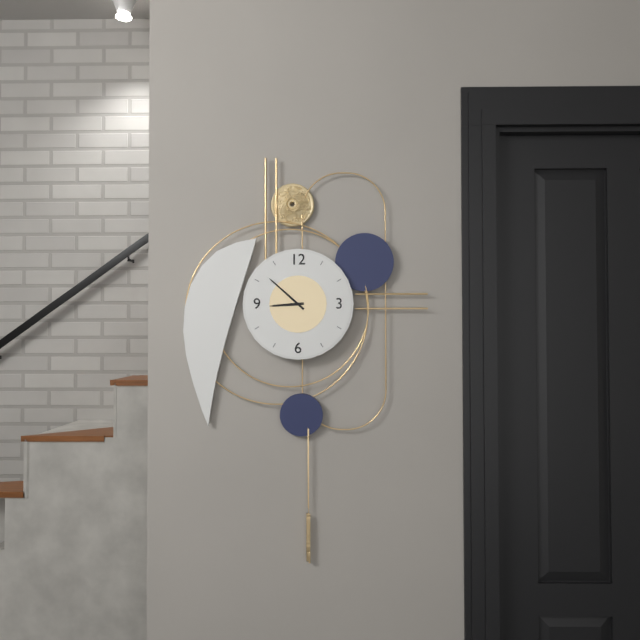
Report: 8 h 52 min
